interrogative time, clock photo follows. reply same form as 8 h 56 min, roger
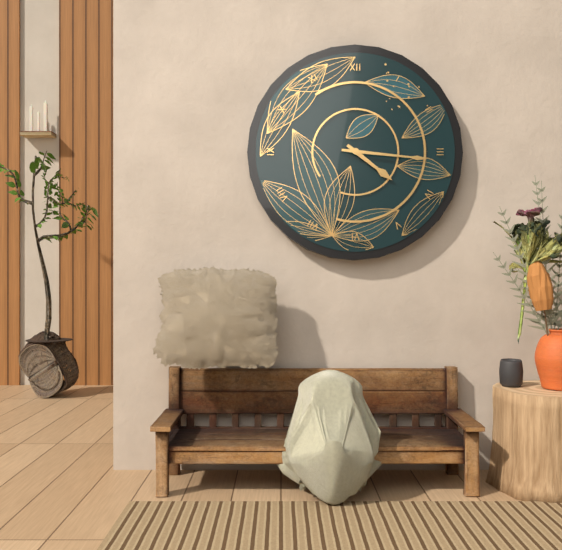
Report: 4 h 16 min
